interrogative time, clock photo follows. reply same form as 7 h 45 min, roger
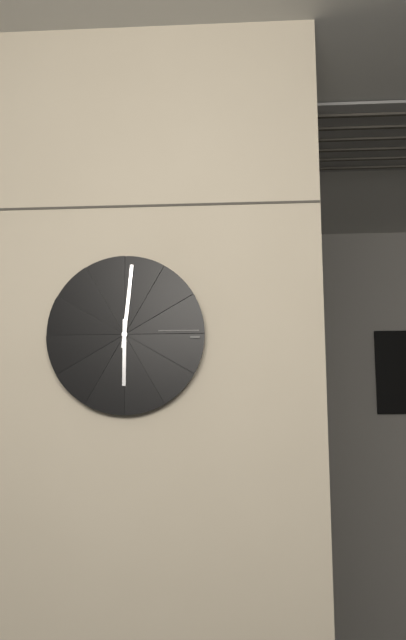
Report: 6 h 01 min
